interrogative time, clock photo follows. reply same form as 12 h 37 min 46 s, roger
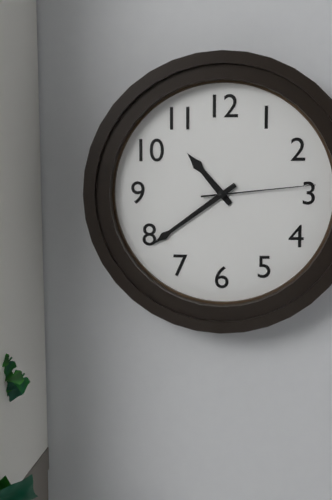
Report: 10 h 39 min 14 s
